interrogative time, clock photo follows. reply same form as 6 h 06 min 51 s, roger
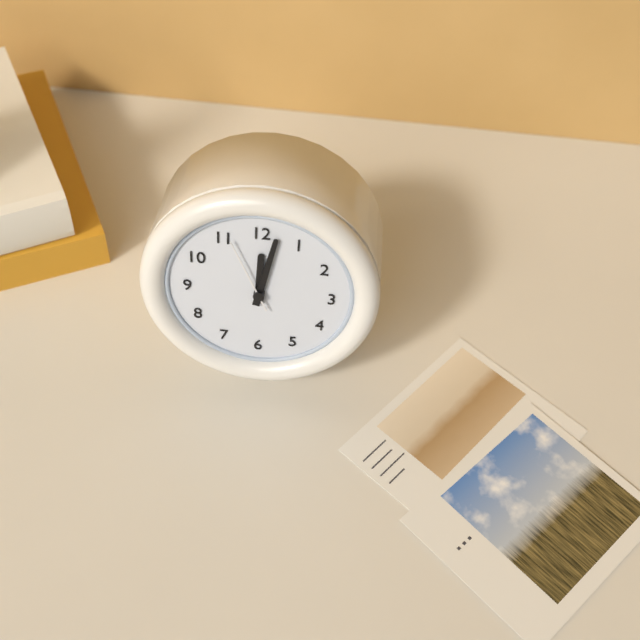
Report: 12 h 02 min 56 s
